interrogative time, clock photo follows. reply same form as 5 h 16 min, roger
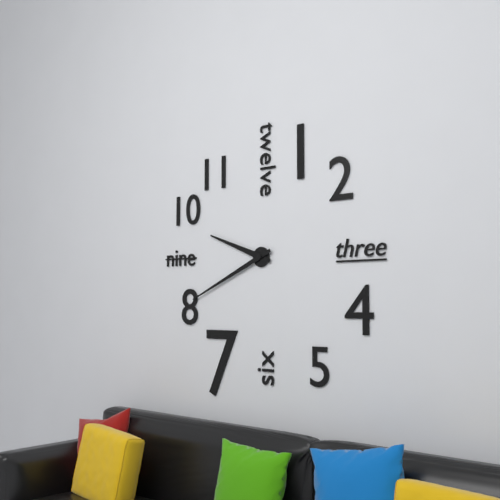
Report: 9 h 41 min
